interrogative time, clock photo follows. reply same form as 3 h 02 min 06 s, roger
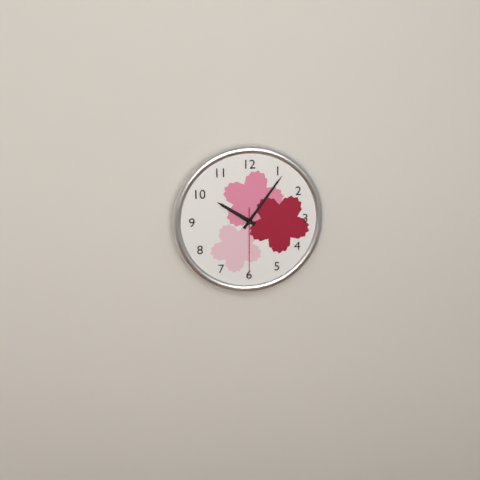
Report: 10 h 06 min 30 s
